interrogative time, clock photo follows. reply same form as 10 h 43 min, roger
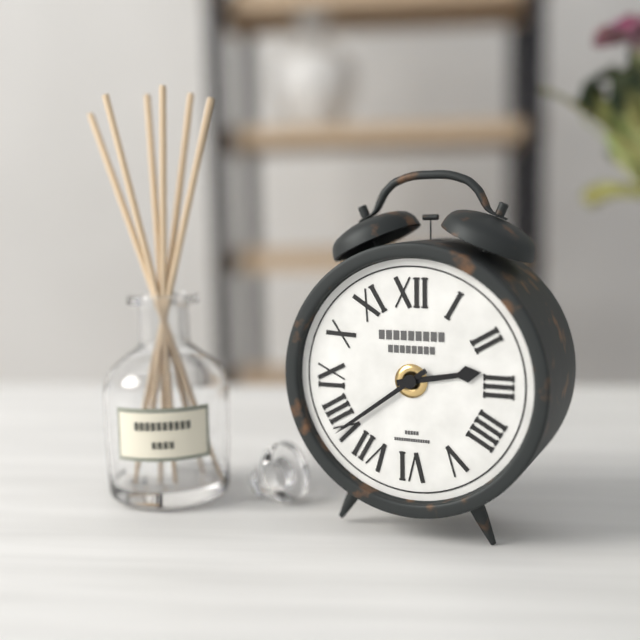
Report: 2 h 39 min
